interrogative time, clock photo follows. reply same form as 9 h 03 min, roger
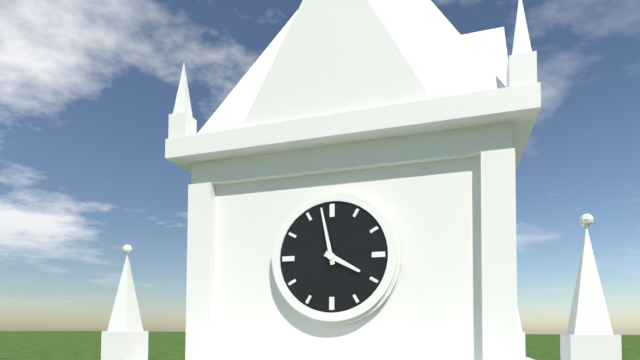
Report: 3 h 58 min
